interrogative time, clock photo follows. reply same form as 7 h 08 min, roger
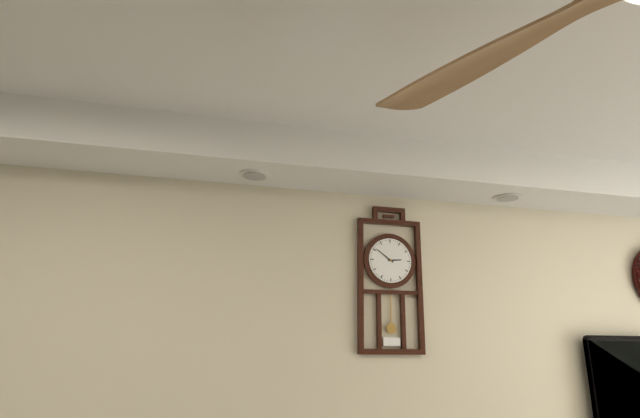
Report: 2 h 51 min
